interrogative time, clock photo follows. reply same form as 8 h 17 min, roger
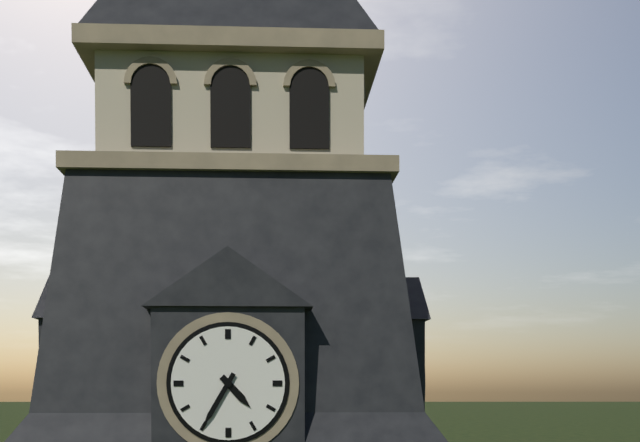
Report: 4 h 35 min
